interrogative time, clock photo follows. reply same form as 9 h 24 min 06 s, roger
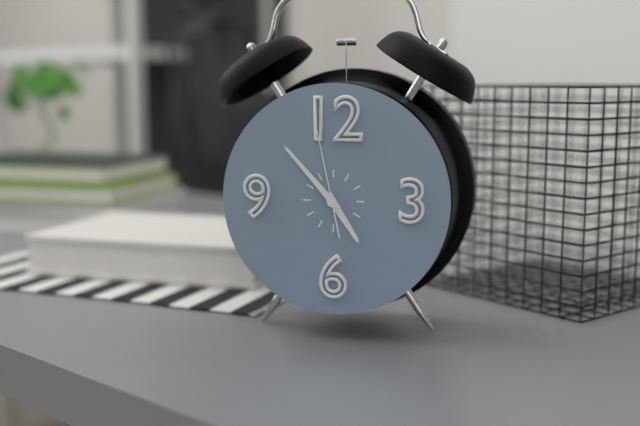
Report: 4 h 53 min 58 s
